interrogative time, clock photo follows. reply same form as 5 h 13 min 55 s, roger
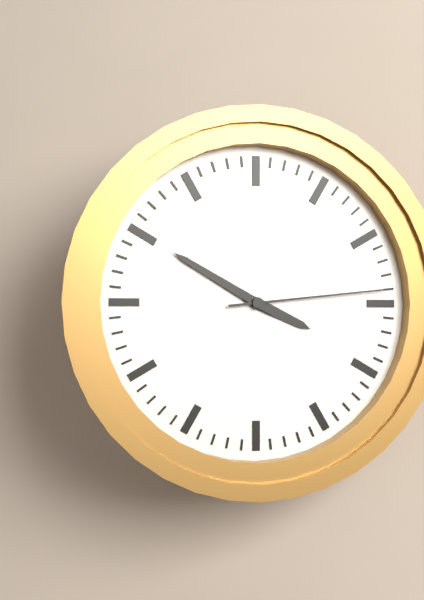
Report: 3 h 50 min 14 s
